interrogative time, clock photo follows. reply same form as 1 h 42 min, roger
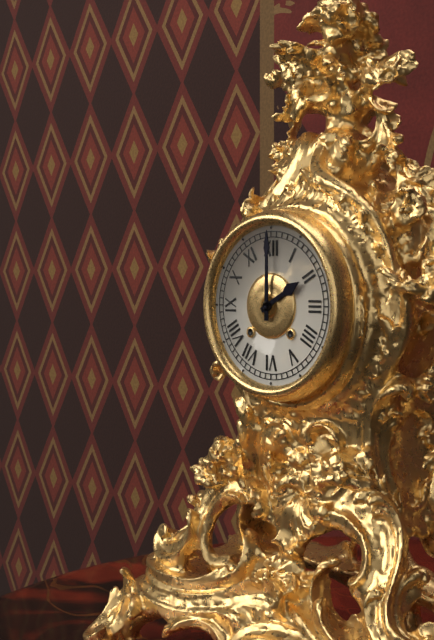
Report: 2 h 00 min
